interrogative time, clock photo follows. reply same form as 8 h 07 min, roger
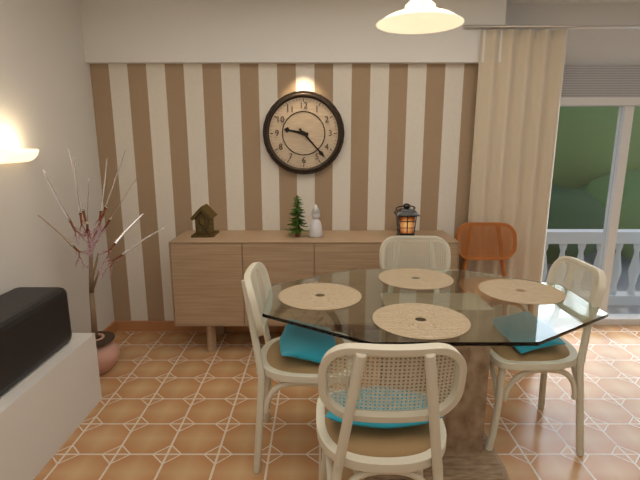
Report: 9 h 23 min
